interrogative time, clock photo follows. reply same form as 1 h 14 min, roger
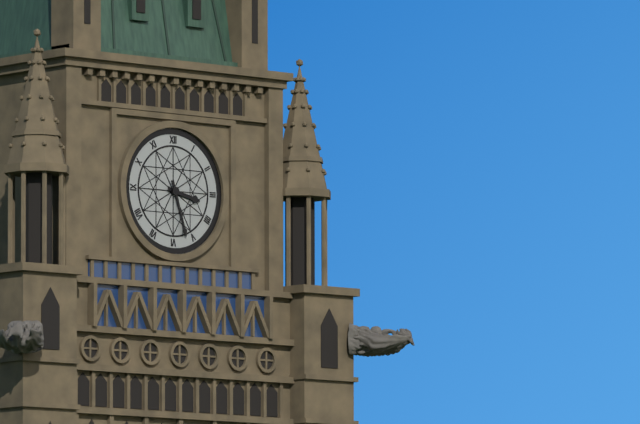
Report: 3 h 27 min
